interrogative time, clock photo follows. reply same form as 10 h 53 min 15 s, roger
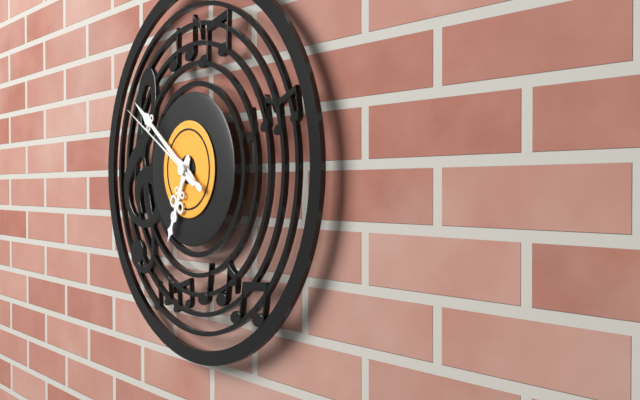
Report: 6 h 51 min 50 s
